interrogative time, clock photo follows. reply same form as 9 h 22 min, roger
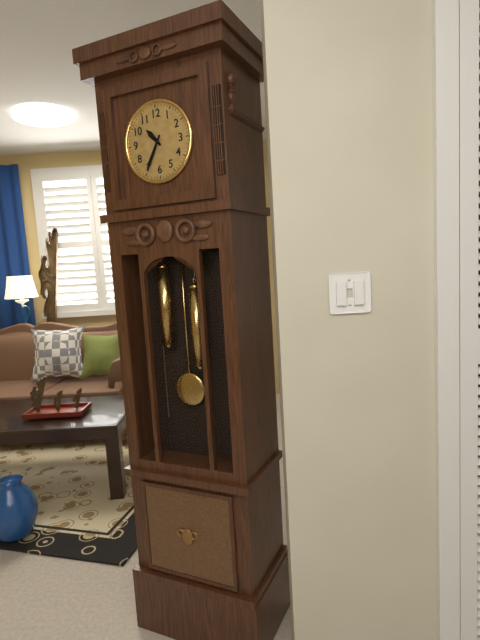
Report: 10 h 35 min
